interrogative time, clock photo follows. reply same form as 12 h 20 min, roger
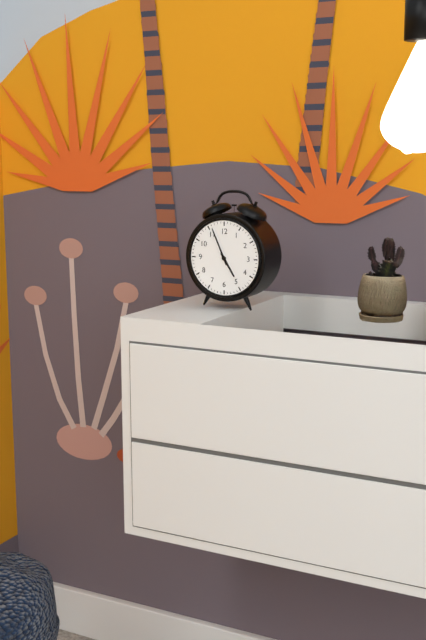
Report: 4 h 56 min
